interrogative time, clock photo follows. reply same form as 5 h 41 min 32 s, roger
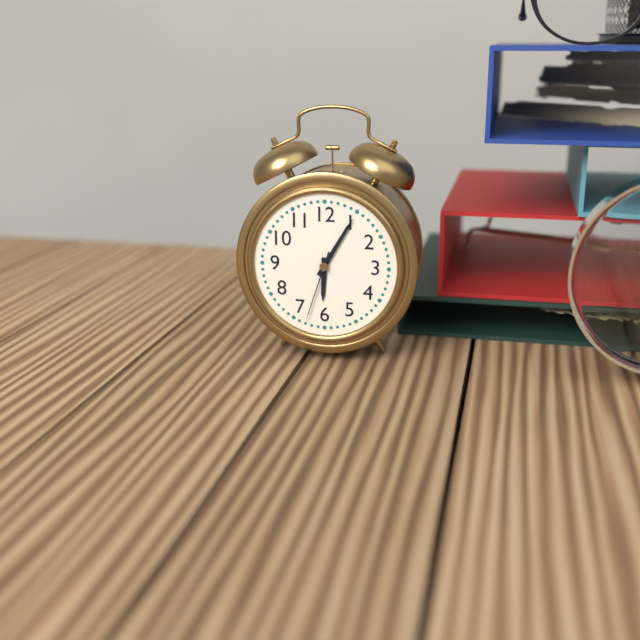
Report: 6 h 05 min 33 s
